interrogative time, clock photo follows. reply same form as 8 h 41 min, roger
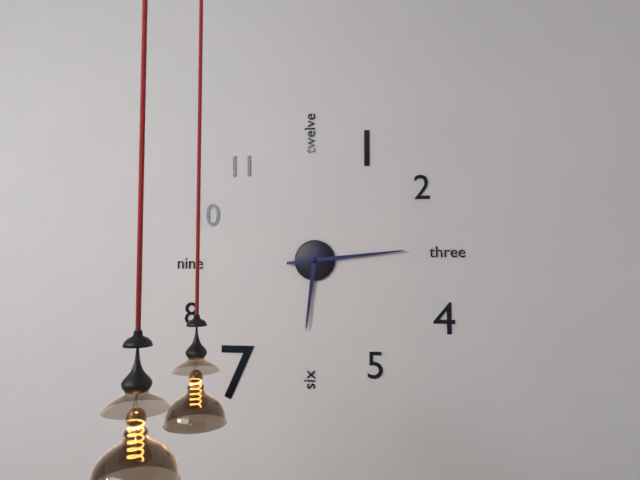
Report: 6 h 14 min
